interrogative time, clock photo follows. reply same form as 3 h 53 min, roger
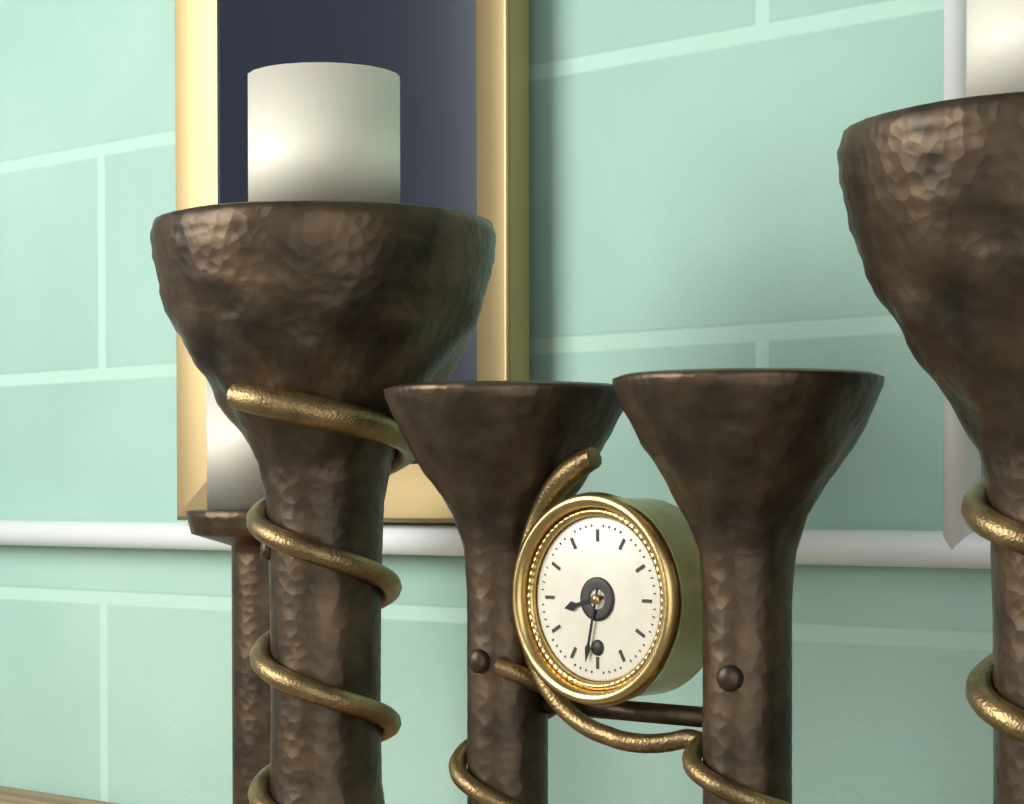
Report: 8 h 32 min
